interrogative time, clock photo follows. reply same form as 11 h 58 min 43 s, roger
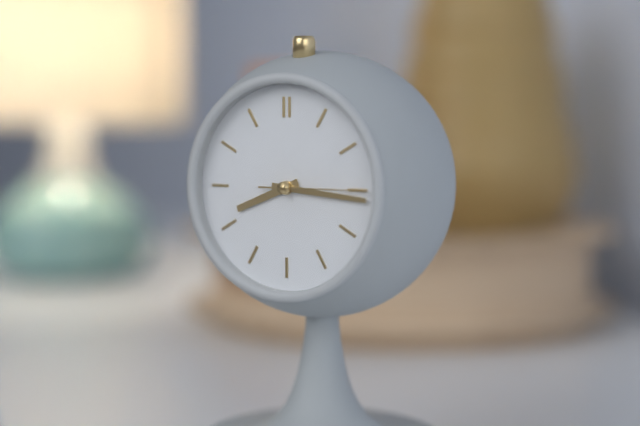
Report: 8 h 16 min 15 s
